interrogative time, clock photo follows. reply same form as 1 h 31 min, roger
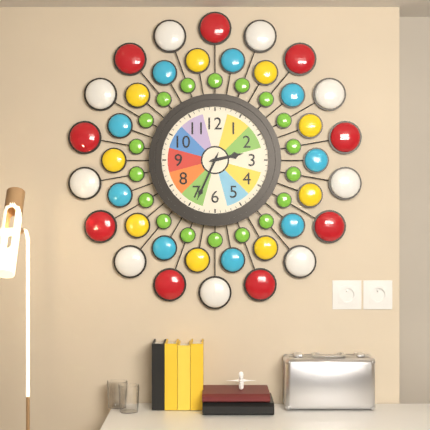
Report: 2 h 34 min
